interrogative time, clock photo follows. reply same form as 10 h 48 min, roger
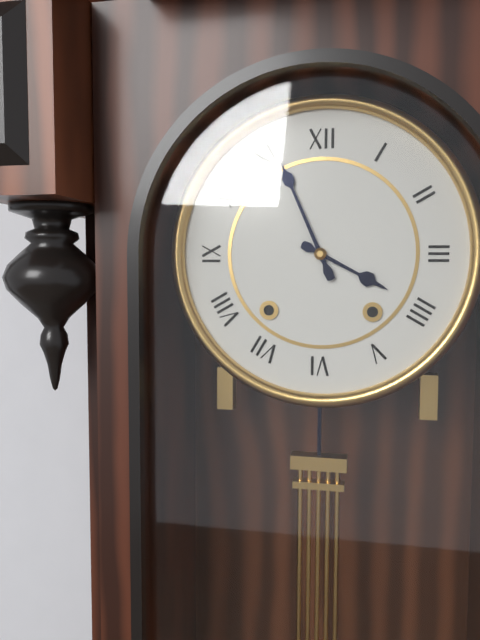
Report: 3 h 56 min
